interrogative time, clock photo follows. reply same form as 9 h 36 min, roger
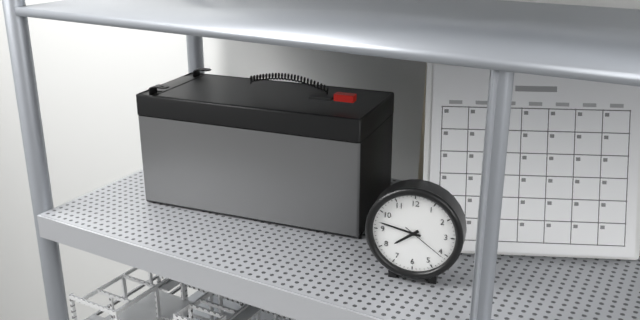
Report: 7 h 47 min
